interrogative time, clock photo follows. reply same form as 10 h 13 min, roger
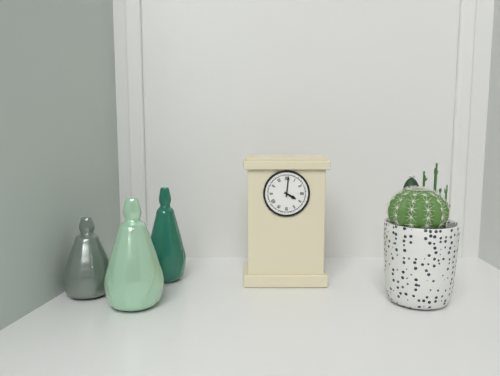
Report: 4 h 01 min
